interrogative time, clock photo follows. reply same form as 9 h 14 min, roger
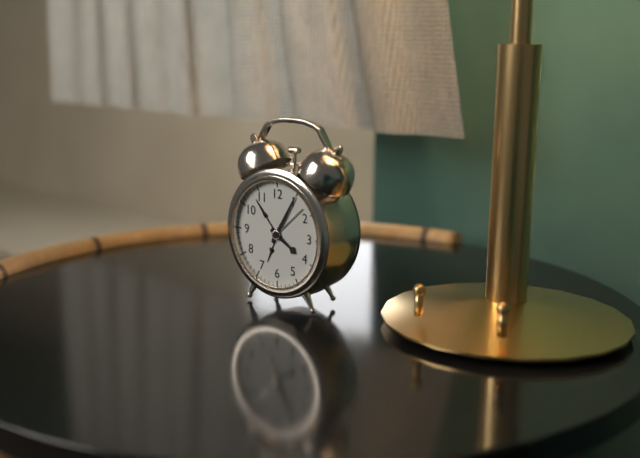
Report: 4 h 05 min
